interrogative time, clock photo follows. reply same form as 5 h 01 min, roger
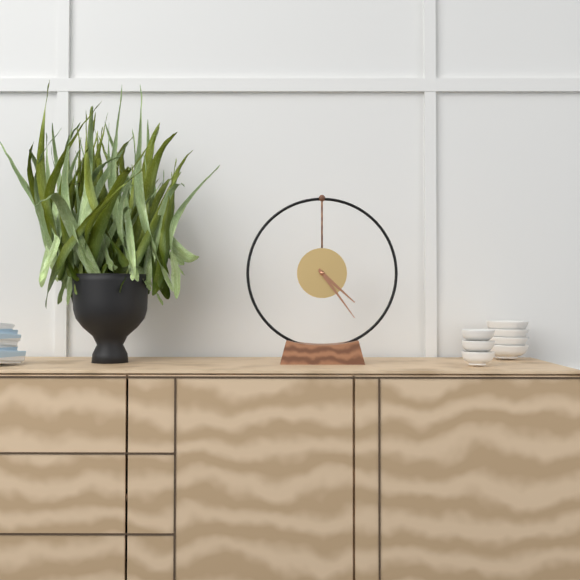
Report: 4 h 24 min
